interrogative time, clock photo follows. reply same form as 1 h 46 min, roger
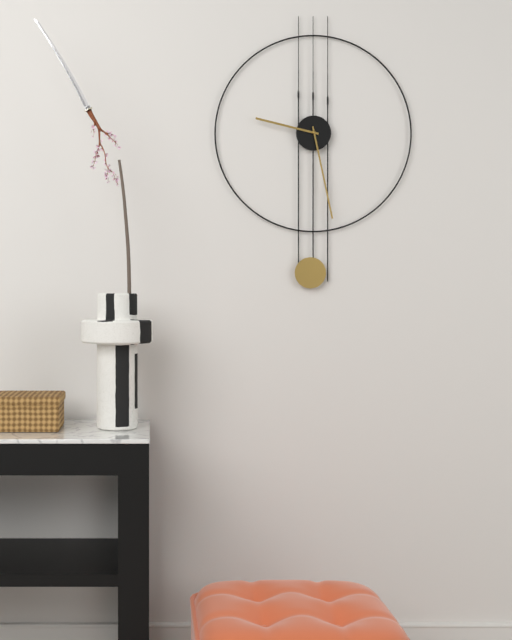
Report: 9 h 28 min
